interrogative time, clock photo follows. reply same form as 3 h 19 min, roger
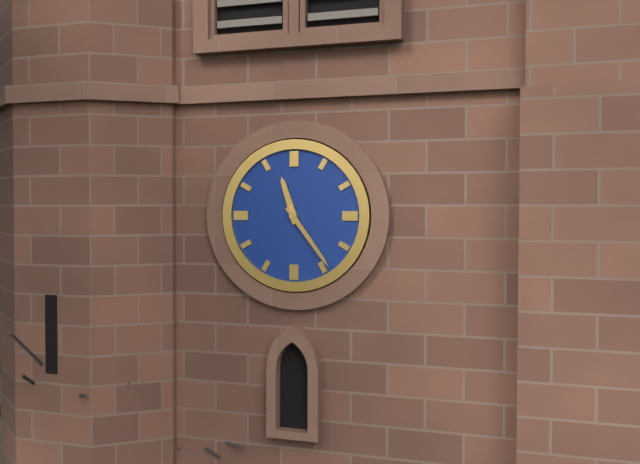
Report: 11 h 24 min
